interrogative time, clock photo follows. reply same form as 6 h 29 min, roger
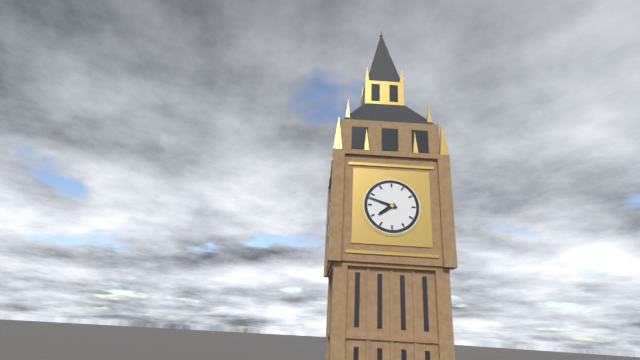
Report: 7 h 48 min
